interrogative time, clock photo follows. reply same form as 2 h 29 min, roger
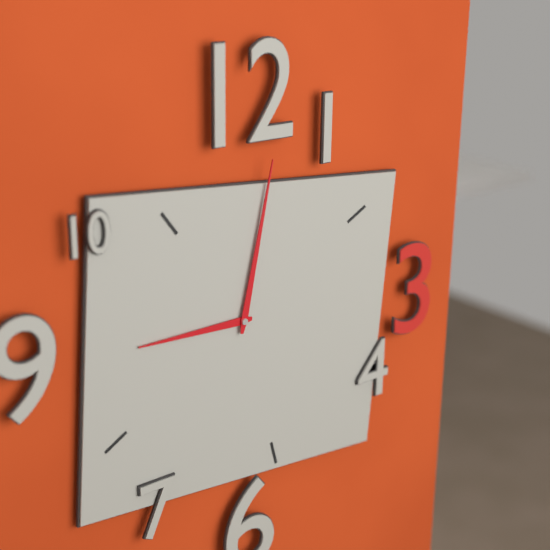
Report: 9 h 02 min
